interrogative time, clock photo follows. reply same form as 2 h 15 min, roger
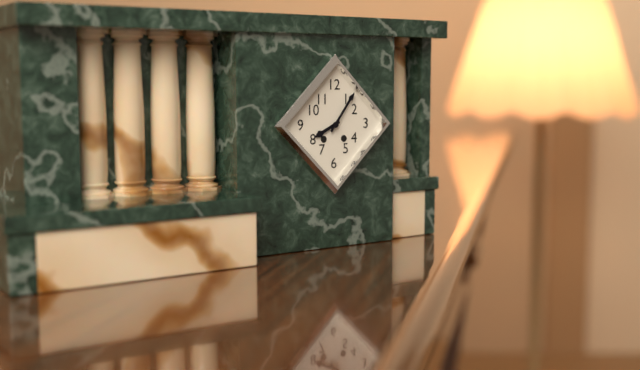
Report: 8 h 06 min
